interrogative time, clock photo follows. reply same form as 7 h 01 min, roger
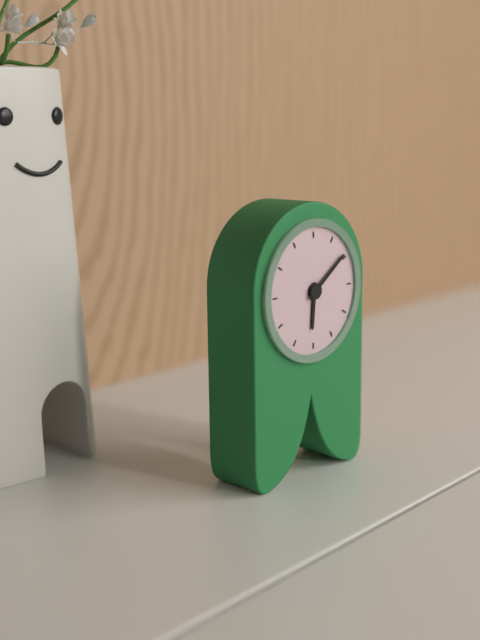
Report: 6 h 09 min
